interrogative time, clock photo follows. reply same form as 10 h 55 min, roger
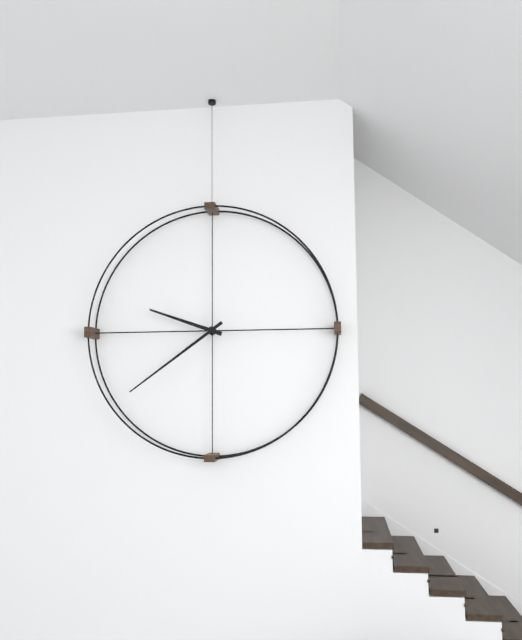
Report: 9 h 39 min
